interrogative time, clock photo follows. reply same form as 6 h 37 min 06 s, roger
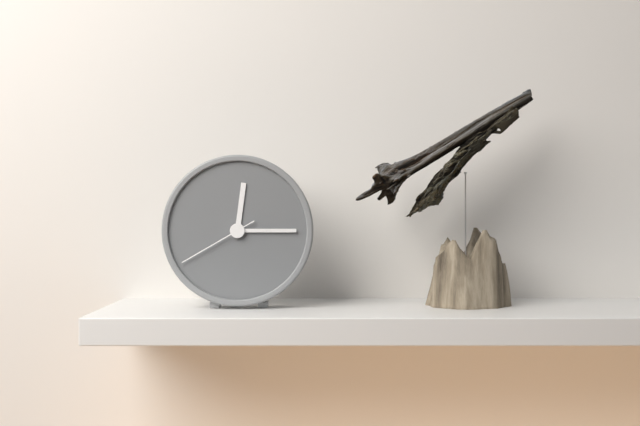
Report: 12 h 15 min 40 s
